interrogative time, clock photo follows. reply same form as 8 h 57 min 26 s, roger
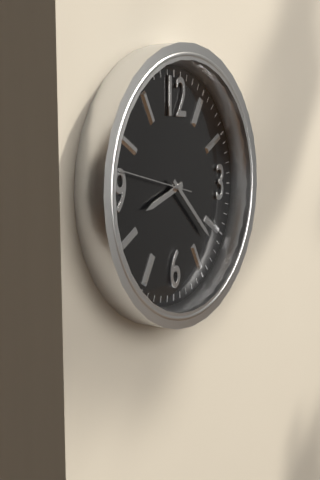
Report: 8 h 22 min 47 s
